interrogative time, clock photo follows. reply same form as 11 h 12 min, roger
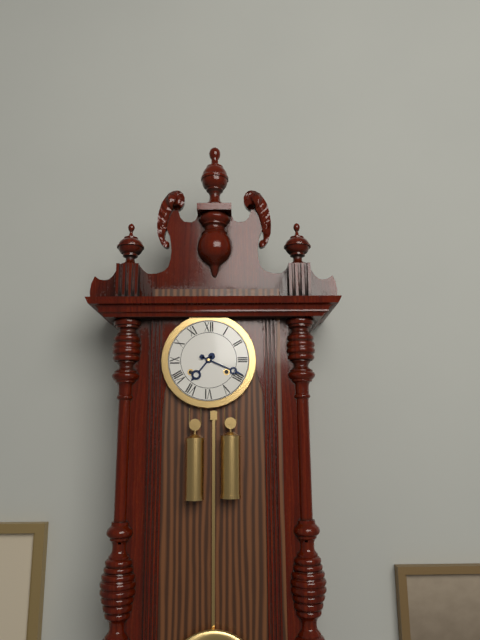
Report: 7 h 19 min
